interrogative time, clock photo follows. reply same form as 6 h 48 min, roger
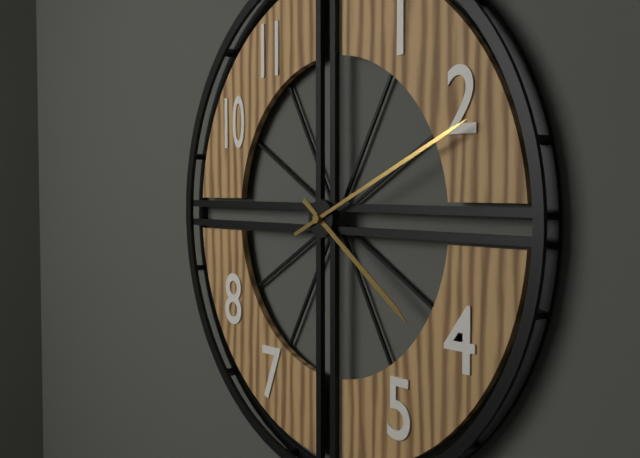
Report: 4 h 11 min
